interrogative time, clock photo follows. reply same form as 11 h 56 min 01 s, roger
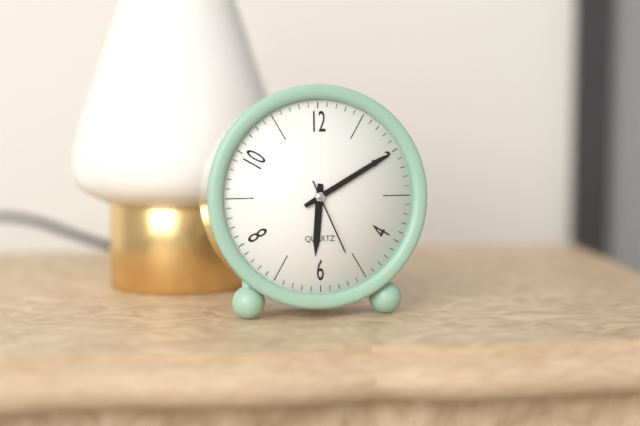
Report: 6 h 10 min 26 s
